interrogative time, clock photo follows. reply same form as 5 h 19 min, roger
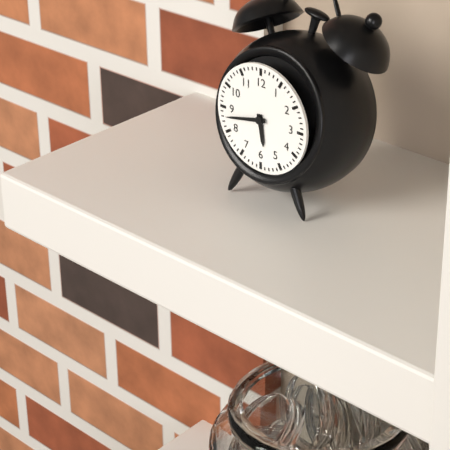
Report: 5 h 43 min
